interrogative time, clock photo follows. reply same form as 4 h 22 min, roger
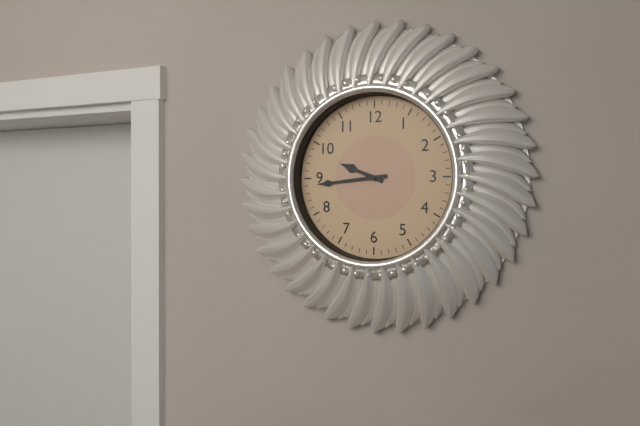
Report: 9 h 44 min
